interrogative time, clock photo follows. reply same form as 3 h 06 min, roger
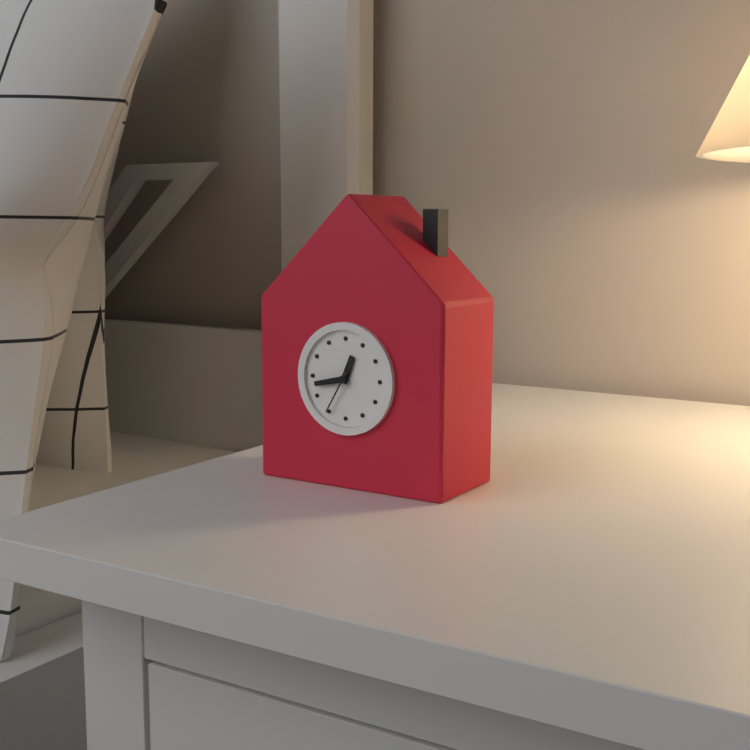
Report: 12 h 43 min
